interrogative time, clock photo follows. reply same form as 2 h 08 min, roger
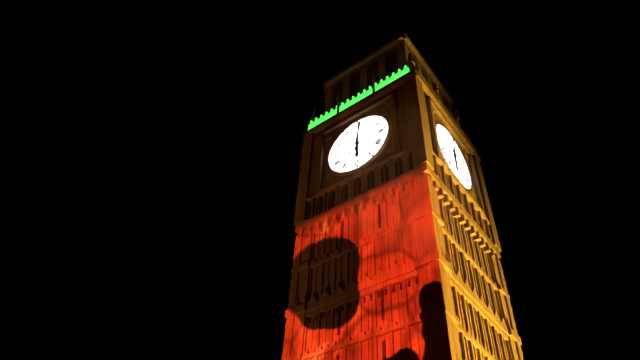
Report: 6 h 01 min
